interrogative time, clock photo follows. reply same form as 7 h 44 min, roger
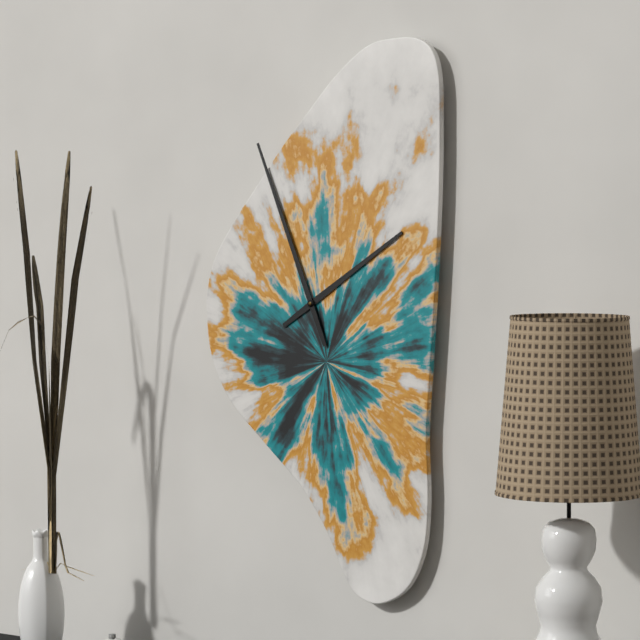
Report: 1 h 56 min
